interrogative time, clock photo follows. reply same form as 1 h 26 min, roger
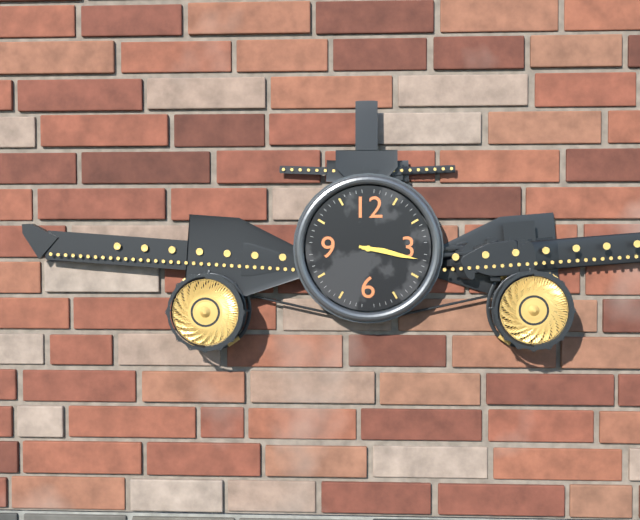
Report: 3 h 17 min
